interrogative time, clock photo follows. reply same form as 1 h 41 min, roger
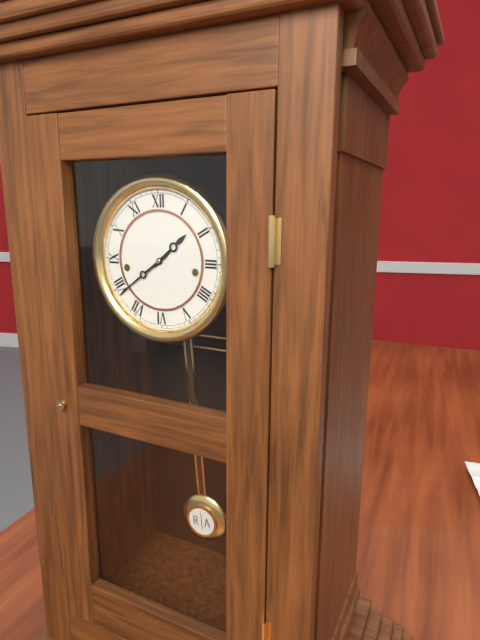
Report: 1 h 39 min
